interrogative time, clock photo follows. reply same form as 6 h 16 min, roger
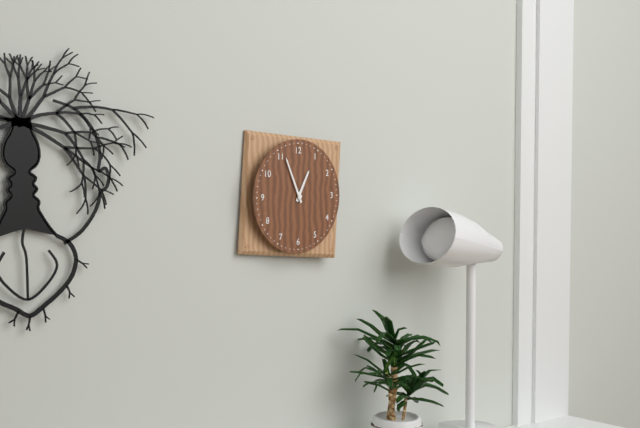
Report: 12 h 56 min
